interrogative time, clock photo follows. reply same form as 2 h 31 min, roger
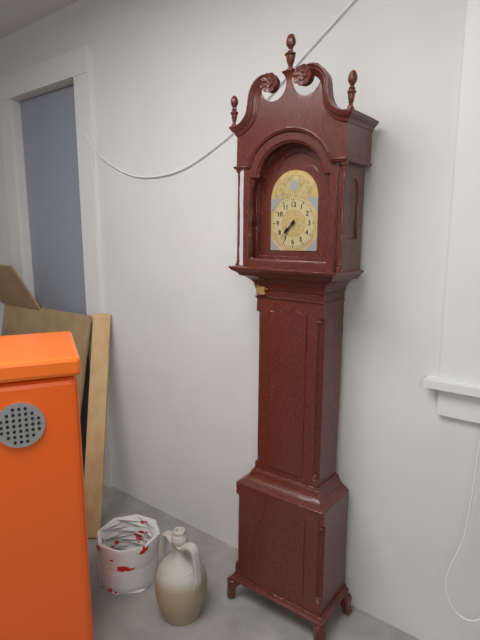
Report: 7 h 37 min
